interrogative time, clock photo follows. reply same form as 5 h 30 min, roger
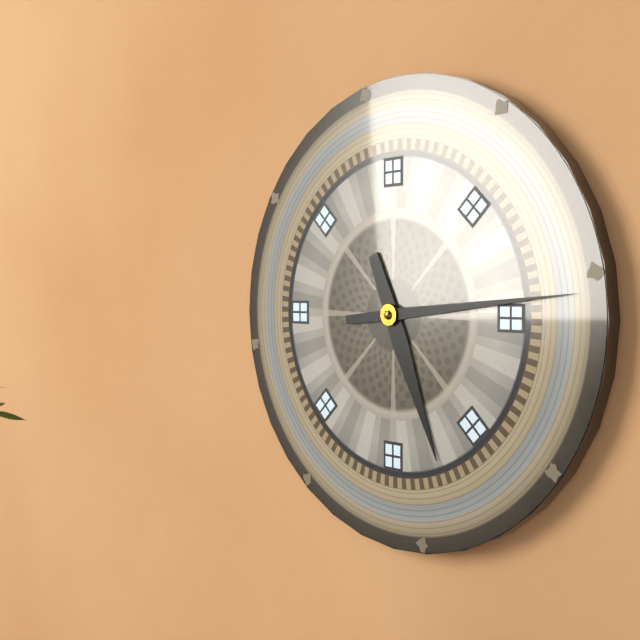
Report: 5 h 14 min
